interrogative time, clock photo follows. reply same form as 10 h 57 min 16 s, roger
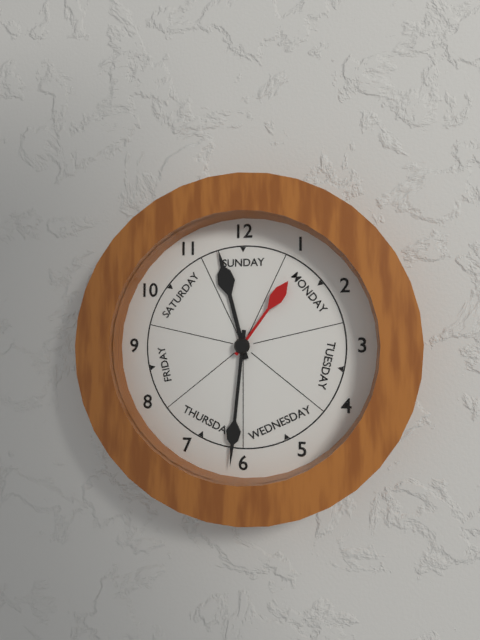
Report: 11 h 31 min 06 s
